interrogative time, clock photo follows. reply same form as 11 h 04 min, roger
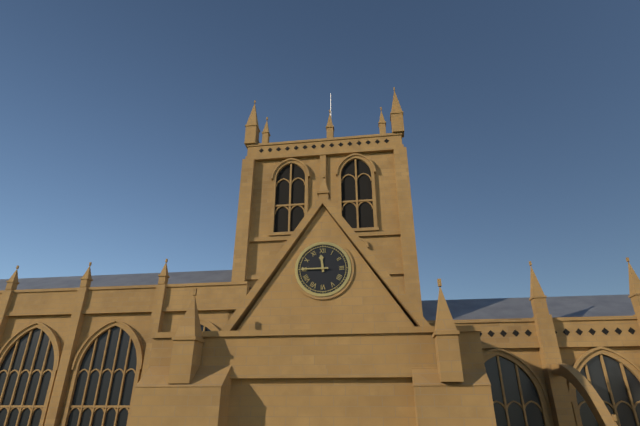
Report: 11 h 45 min
